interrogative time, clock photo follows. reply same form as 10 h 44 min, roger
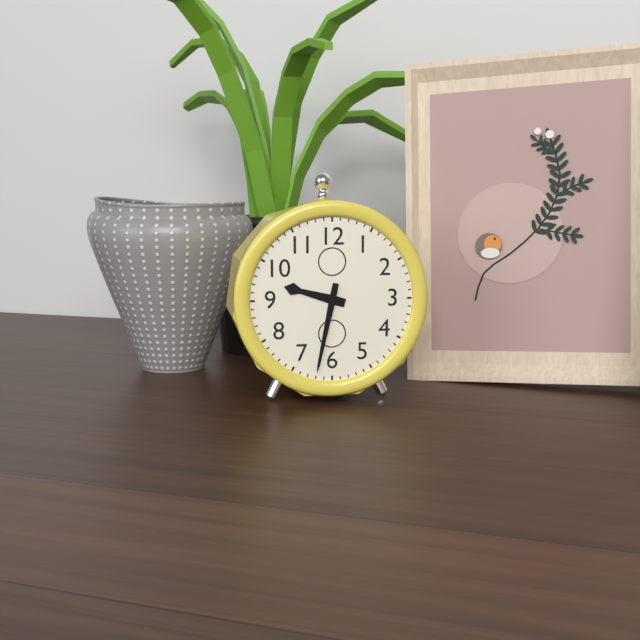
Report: 9 h 32 min
